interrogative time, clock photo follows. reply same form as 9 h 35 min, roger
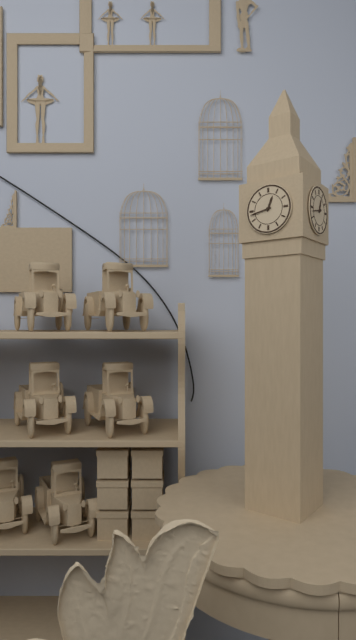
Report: 12 h 43 min
